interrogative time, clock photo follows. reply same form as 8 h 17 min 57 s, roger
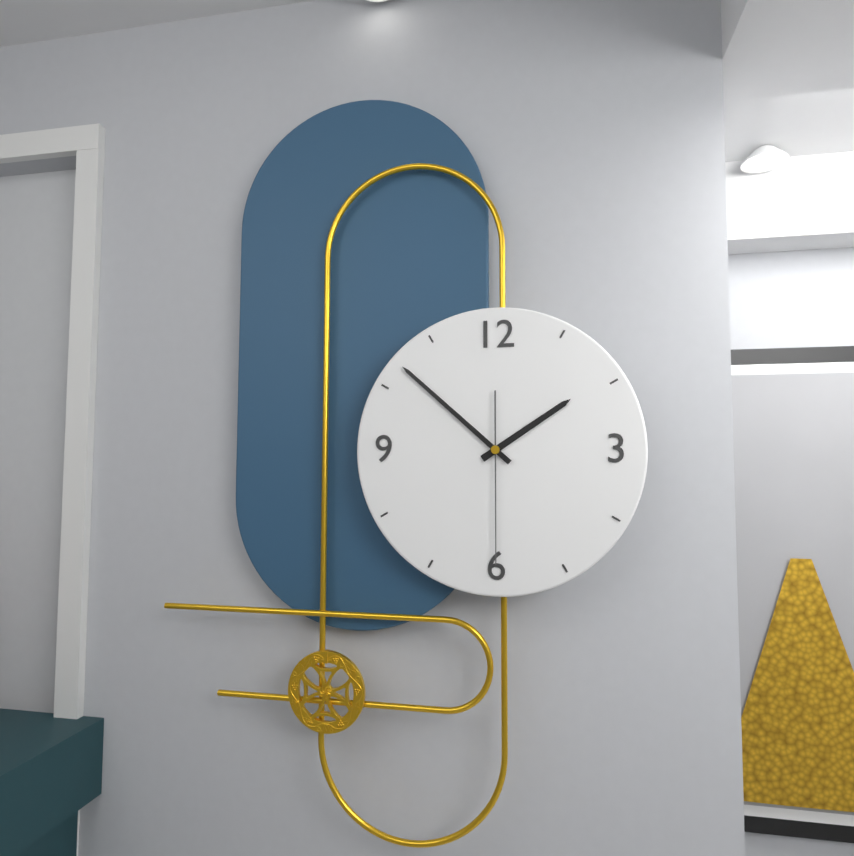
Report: 1 h 52 min 30 s
